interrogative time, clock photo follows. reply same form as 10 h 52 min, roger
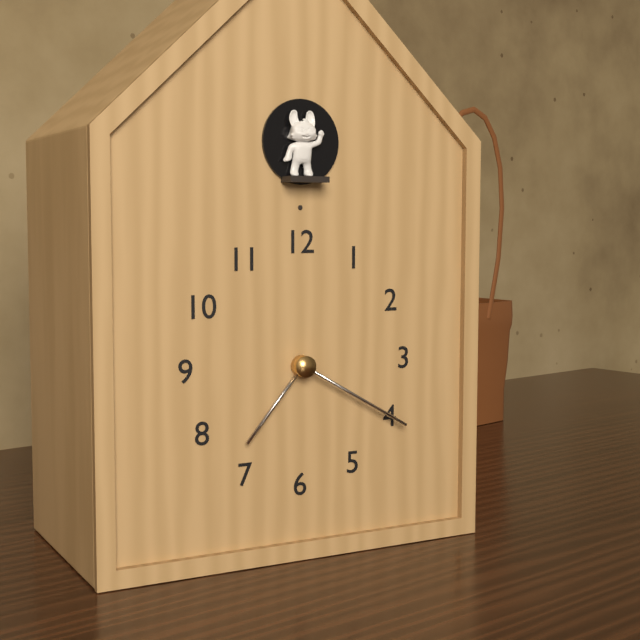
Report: 7 h 20 min
